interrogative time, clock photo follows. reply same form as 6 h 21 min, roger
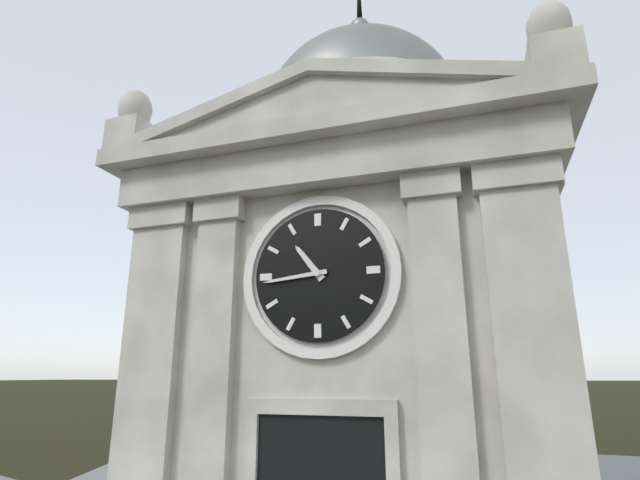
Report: 10 h 44 min
